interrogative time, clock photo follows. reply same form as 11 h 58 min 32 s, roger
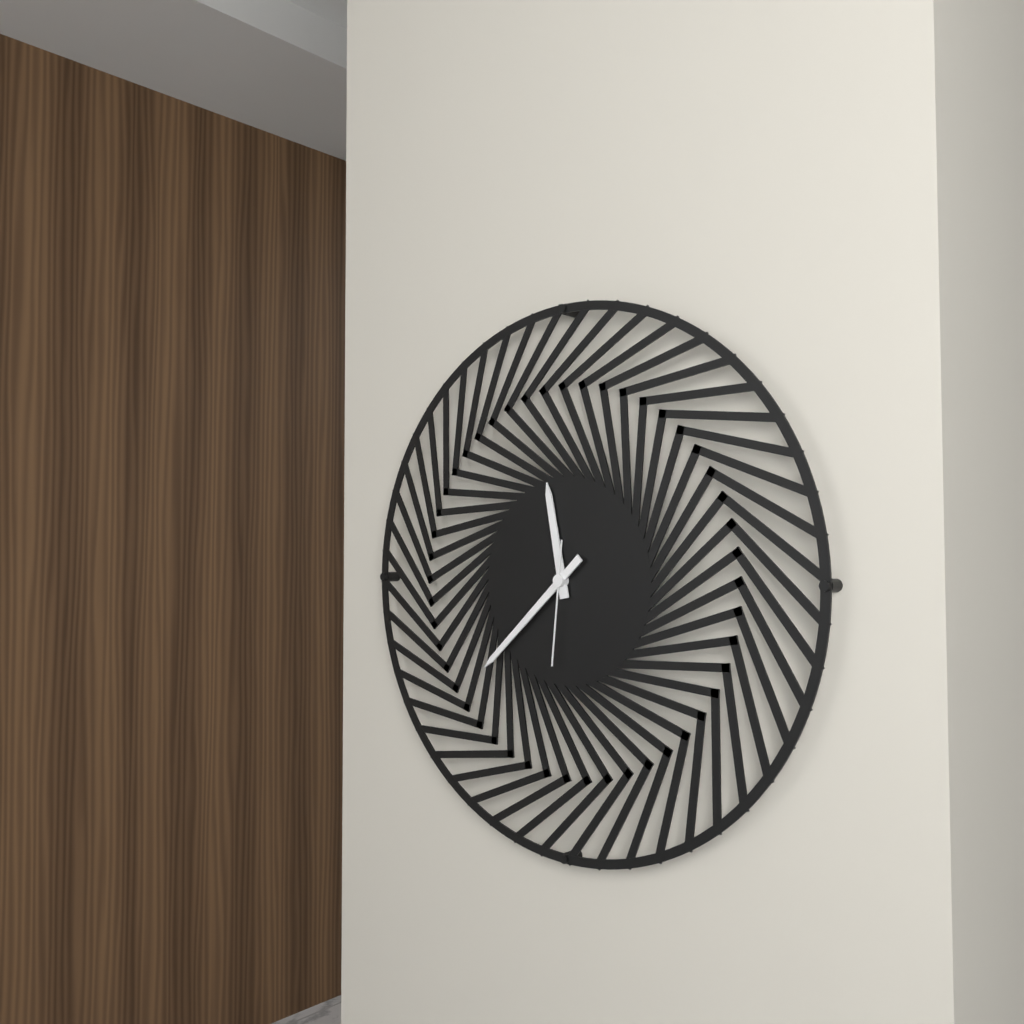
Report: 11 h 38 min 31 s
